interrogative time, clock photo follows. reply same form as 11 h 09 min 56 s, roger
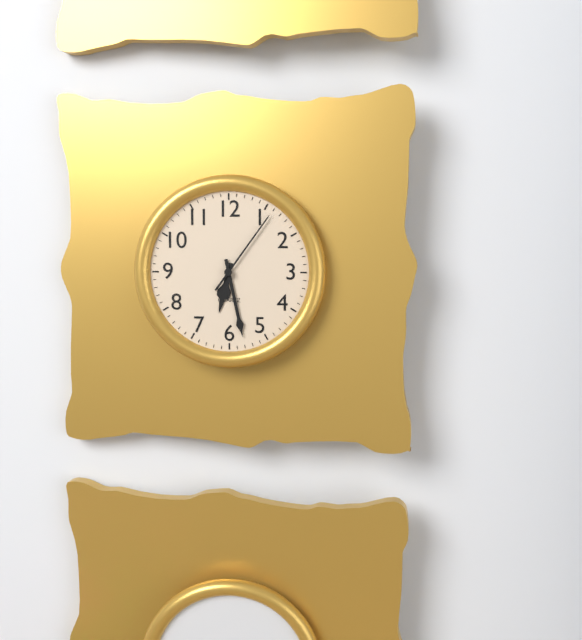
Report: 6 h 28 min 06 s
